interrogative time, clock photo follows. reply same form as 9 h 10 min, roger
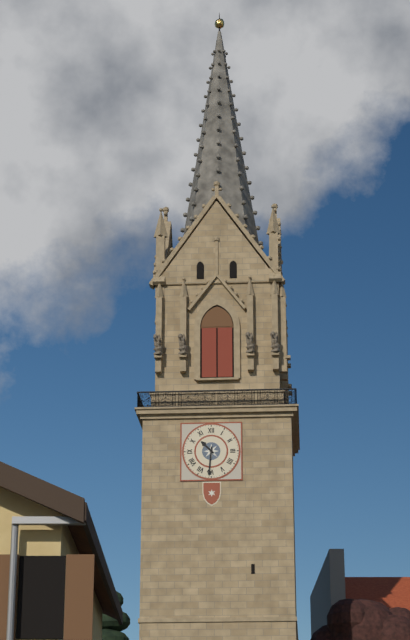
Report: 10 h 31 min
